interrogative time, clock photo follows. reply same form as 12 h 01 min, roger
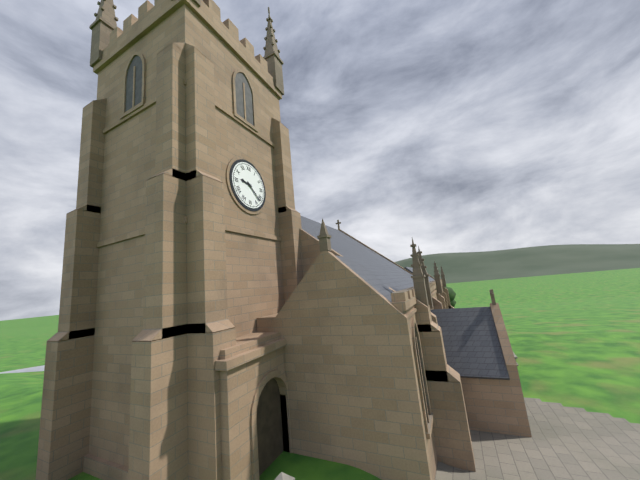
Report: 9 h 22 min
